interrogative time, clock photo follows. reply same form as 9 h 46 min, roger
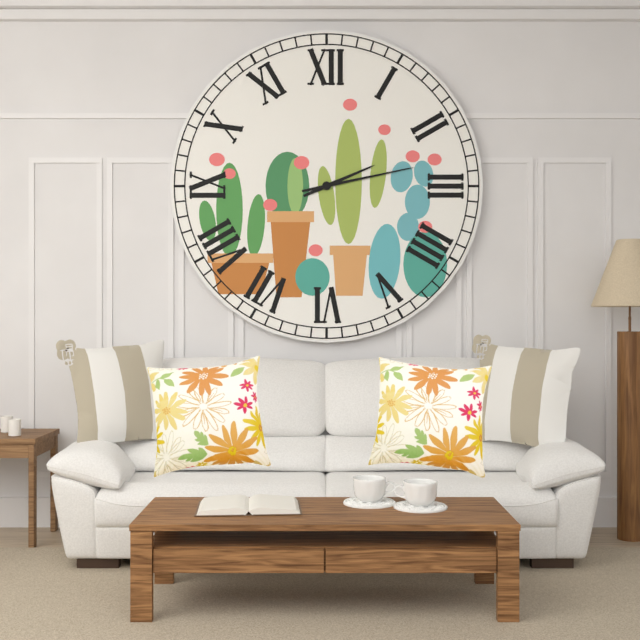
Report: 2 h 13 min
